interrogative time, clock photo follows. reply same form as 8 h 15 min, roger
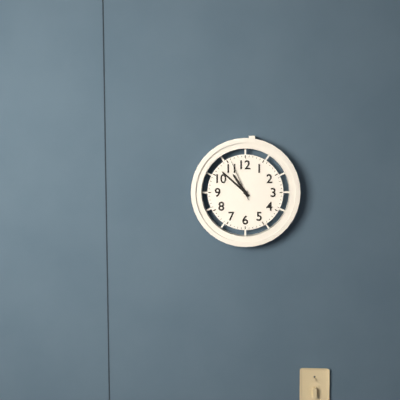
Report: 10 h 52 min
